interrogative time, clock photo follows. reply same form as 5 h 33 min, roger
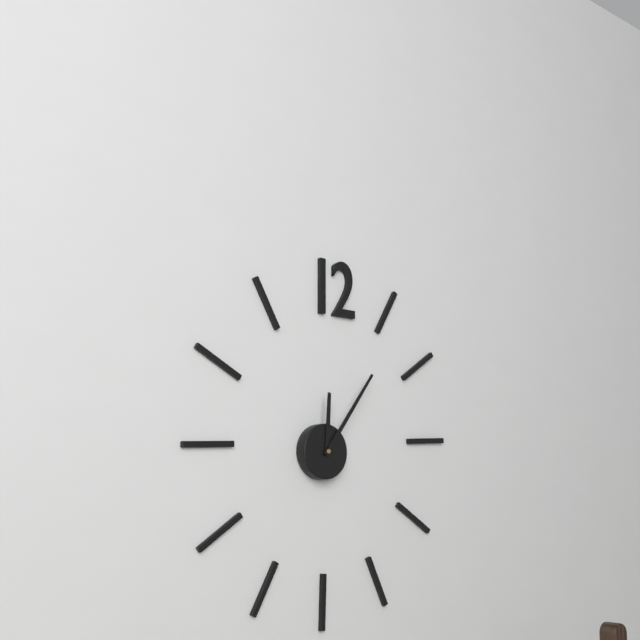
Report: 12 h 06 min
